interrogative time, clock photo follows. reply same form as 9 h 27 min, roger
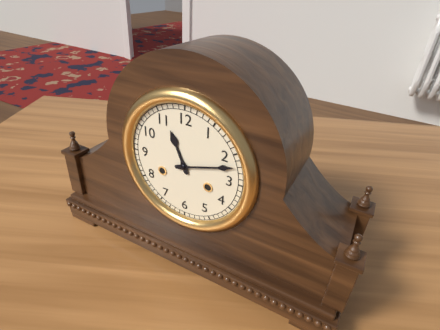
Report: 11 h 12 min
